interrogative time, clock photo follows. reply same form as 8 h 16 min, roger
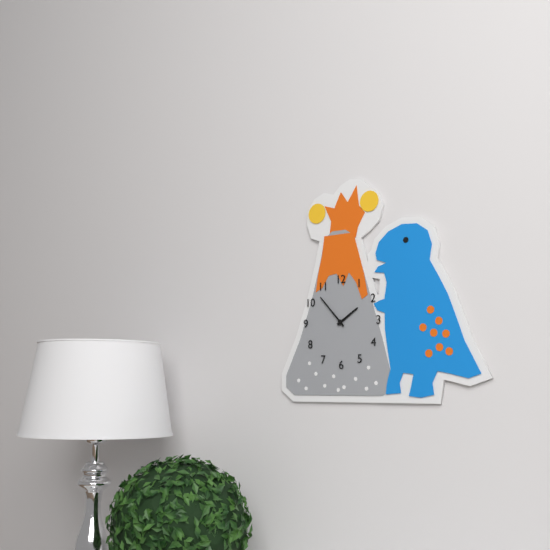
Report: 1 h 53 min
